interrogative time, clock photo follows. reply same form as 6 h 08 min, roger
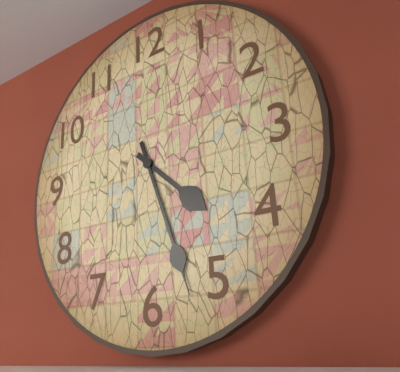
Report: 4 h 27 min
